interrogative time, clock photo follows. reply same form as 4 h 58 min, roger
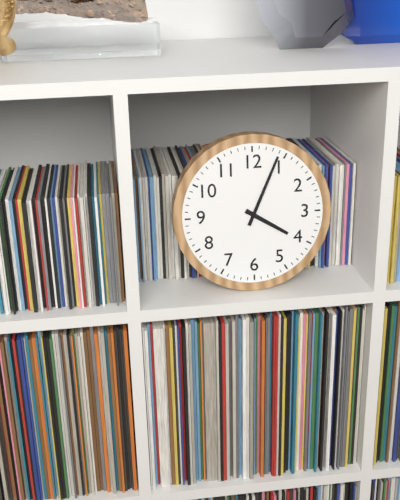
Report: 4 h 04 min
